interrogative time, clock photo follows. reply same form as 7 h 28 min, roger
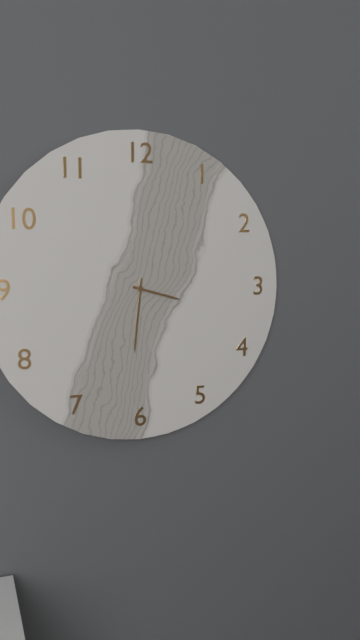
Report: 3 h 31 min
